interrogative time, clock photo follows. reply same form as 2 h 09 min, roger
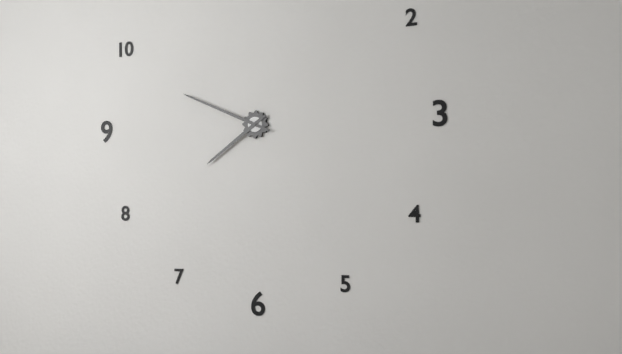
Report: 7 h 49 min
